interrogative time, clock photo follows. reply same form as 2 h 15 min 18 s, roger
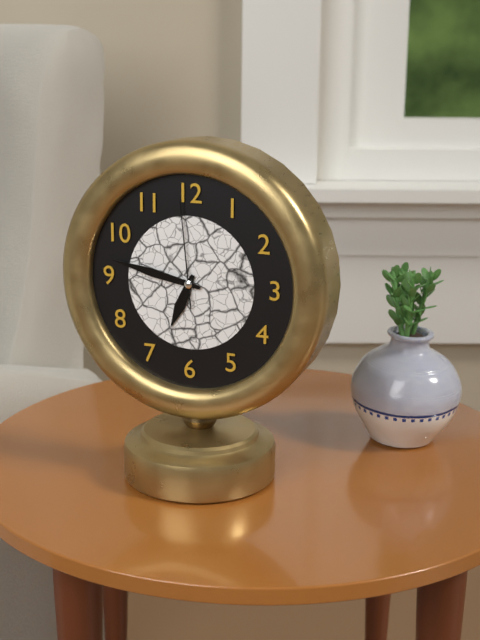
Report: 6 h 47 min 59 s
